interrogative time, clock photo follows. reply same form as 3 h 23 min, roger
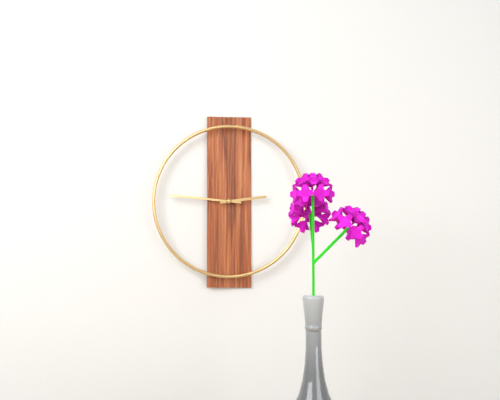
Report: 2 h 46 min
